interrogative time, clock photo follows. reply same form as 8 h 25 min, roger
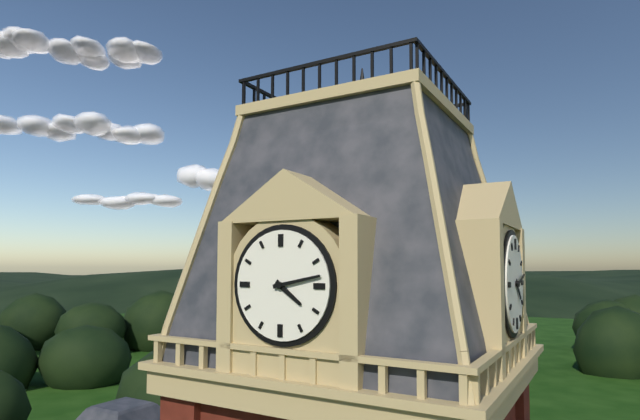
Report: 4 h 13 min
